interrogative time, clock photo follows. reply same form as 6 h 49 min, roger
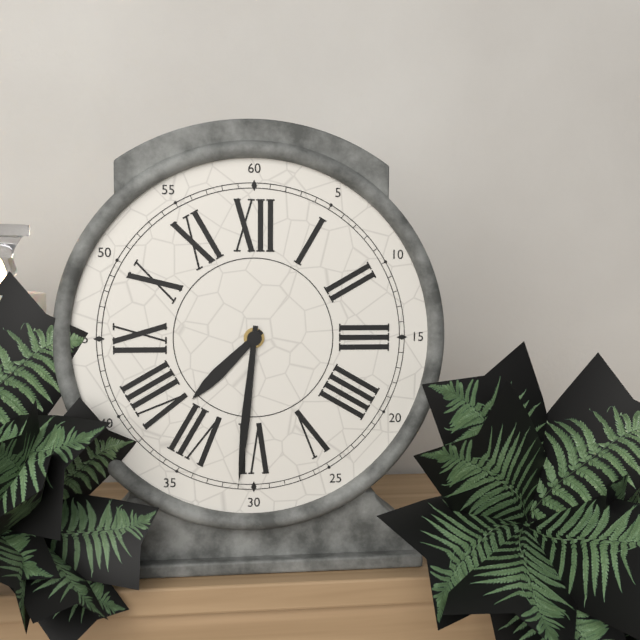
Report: 7 h 31 min
